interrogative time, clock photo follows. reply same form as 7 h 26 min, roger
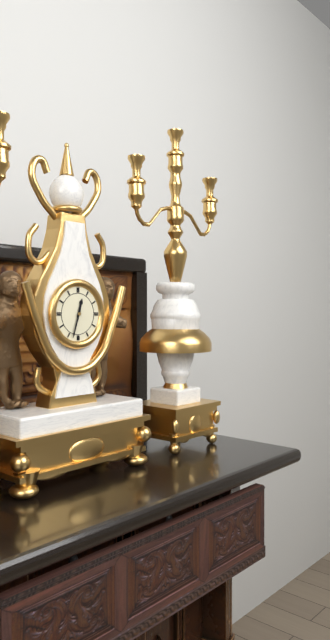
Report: 12 h 33 min
